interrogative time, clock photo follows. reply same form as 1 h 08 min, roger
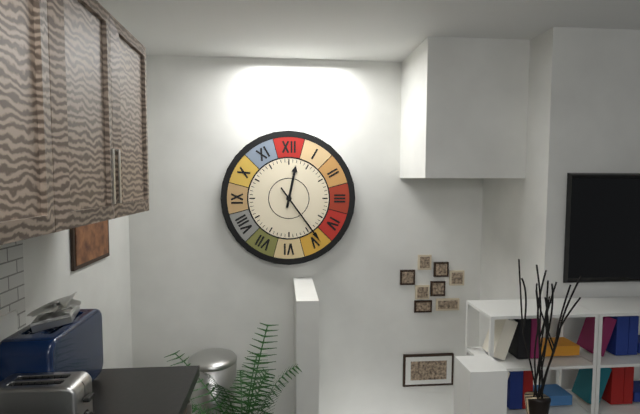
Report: 12 h 24 min
